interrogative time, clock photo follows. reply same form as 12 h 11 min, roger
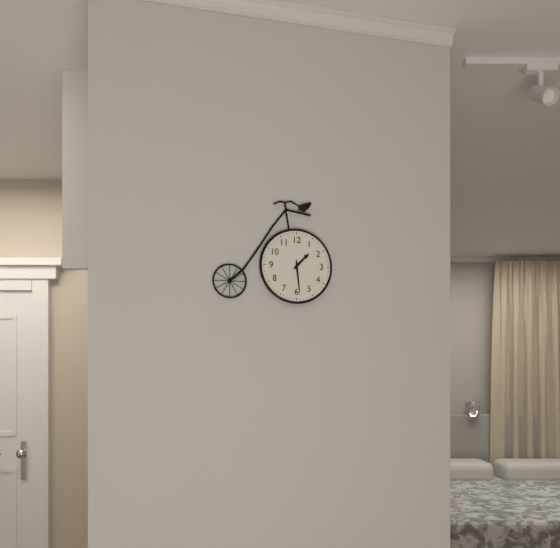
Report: 1 h 29 min
